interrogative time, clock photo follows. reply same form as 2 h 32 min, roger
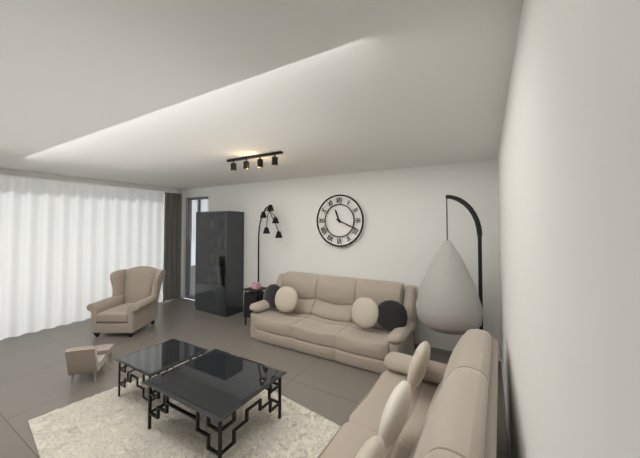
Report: 11 h 19 min
